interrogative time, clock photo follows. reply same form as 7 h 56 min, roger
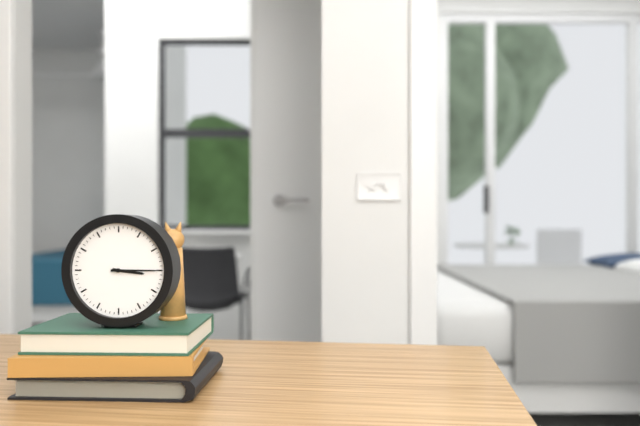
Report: 3 h 15 min
